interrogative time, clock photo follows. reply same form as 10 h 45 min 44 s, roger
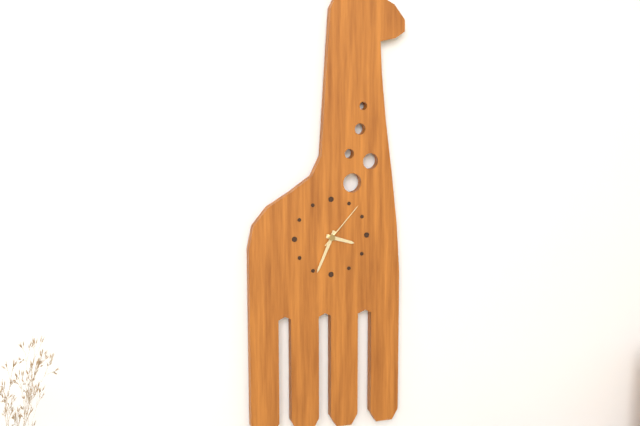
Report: 3 h 34 min 07 s
